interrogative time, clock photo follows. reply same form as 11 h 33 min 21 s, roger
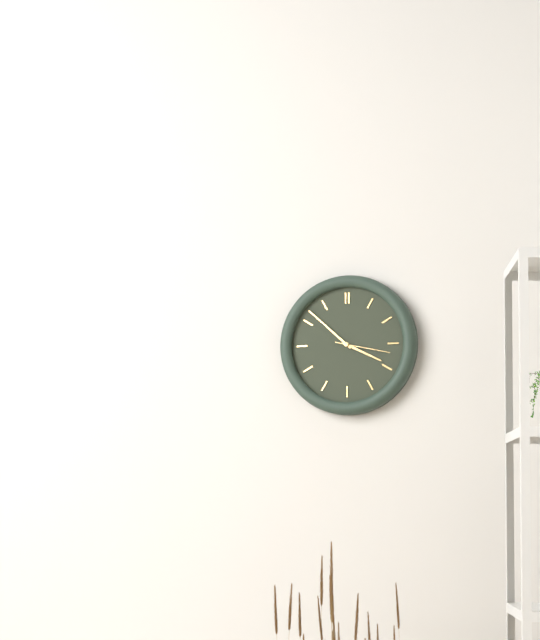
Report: 3 h 52 min 17 s
